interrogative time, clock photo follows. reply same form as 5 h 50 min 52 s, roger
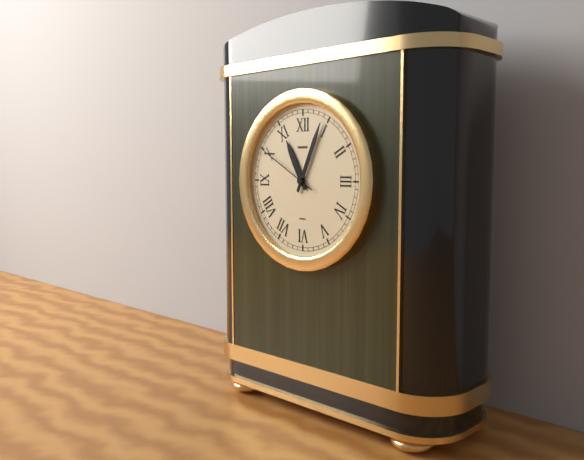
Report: 11 h 04 min 50 s
